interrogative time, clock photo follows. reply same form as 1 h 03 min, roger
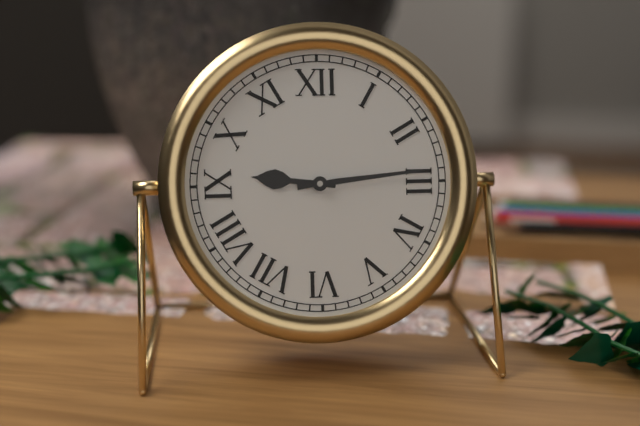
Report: 9 h 14 min
